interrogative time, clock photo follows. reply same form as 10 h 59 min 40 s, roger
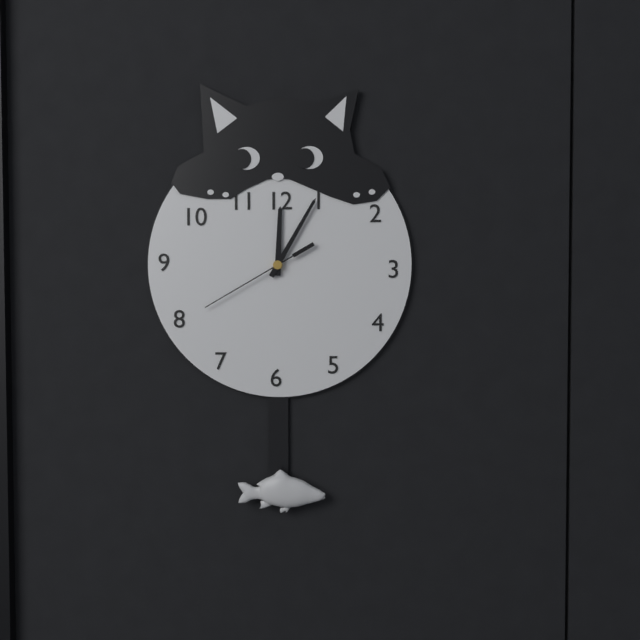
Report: 12 h 05 min 40 s
